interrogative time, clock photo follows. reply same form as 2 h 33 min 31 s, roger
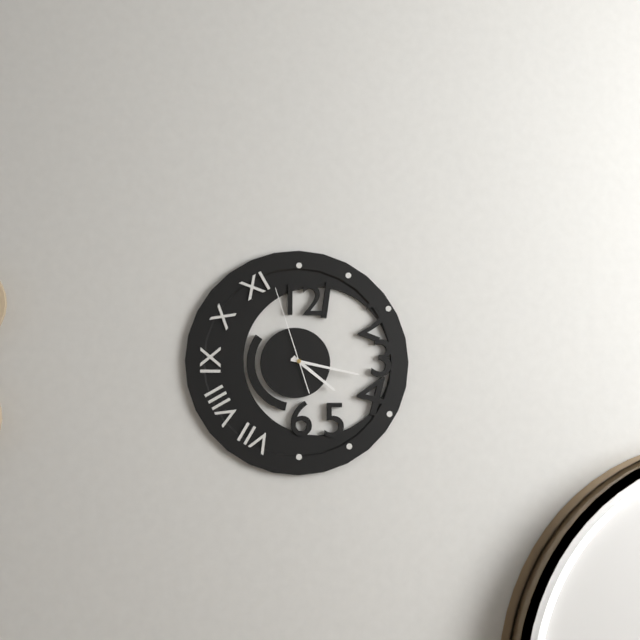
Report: 4 h 17 min 57 s
